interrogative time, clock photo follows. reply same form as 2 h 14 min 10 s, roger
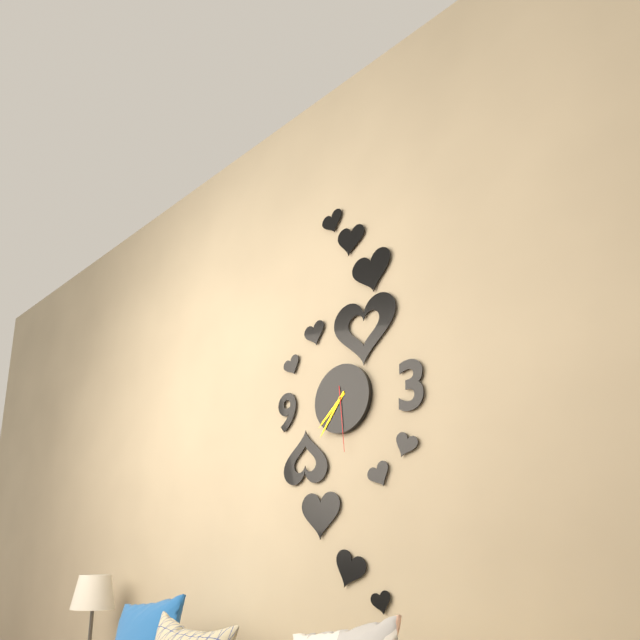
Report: 7 h 36 min 29 s
